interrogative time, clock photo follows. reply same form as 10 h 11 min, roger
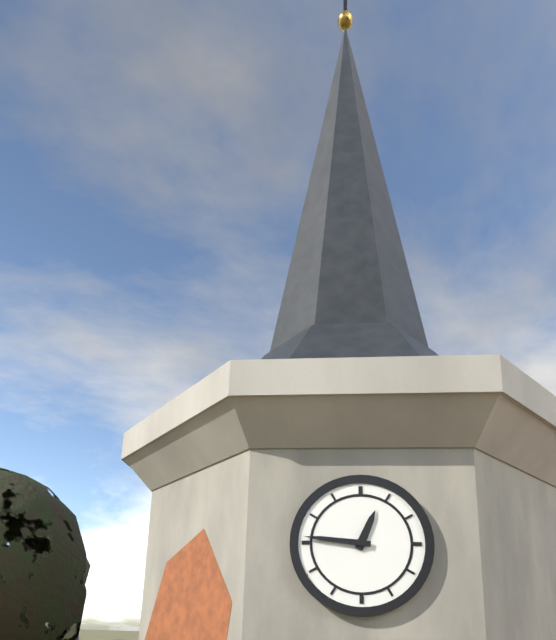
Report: 12 h 46 min
